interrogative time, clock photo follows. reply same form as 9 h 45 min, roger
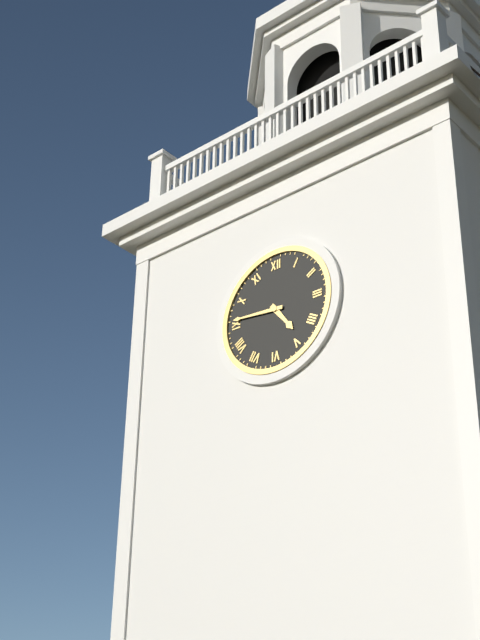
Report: 4 h 46 min
